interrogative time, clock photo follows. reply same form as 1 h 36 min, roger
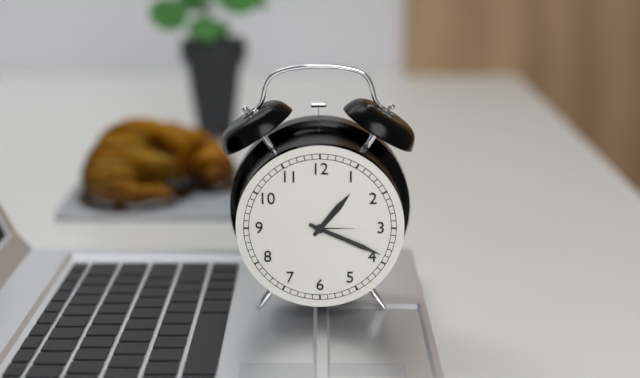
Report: 1 h 19 min
